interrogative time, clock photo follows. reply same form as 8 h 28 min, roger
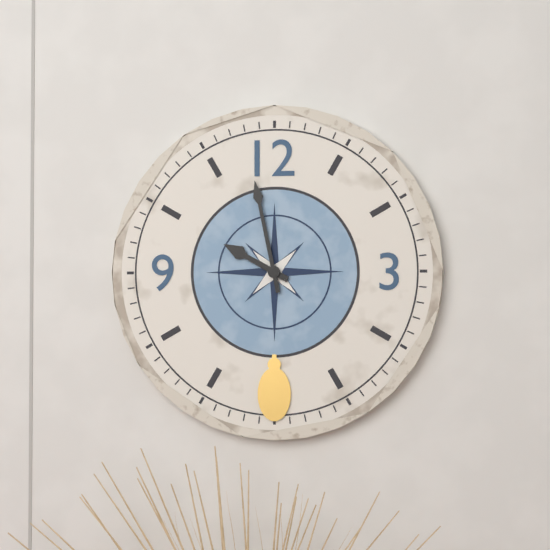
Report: 9 h 58 min
